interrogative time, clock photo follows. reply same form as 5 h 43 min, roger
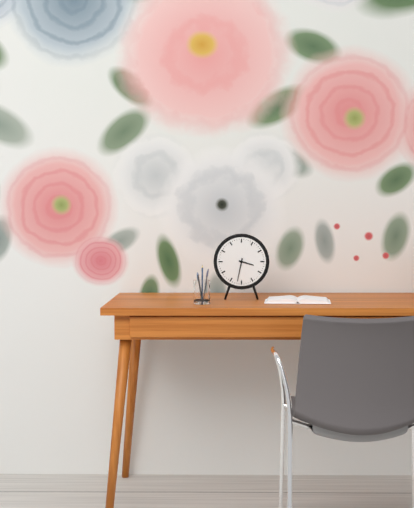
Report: 3 h 32 min
